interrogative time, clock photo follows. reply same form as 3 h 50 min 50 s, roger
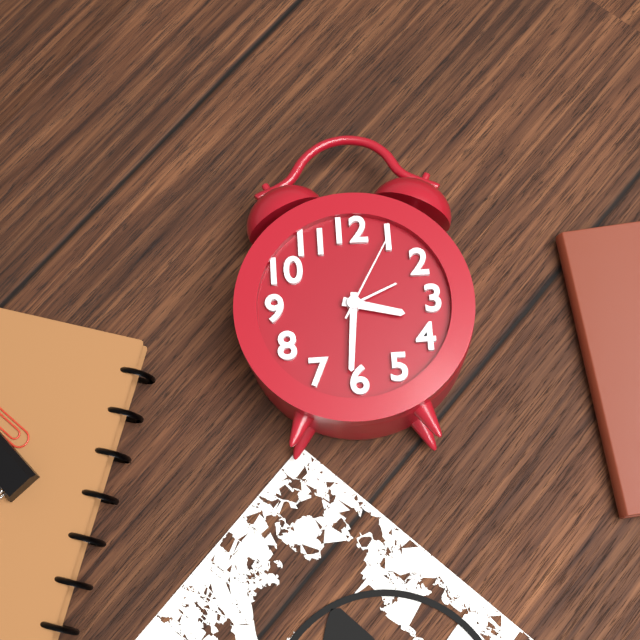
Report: 3 h 31 min 05 s
